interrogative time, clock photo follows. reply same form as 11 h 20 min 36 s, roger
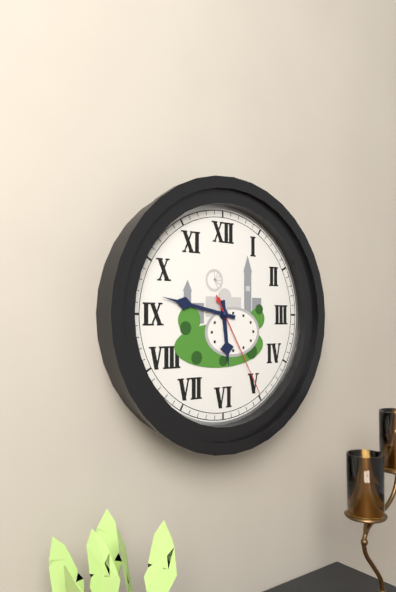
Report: 5 h 47 min 25 s
